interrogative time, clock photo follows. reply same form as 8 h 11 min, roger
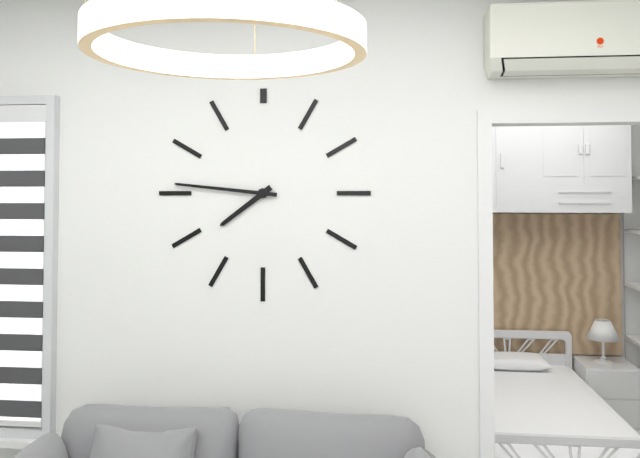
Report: 7 h 46 min
